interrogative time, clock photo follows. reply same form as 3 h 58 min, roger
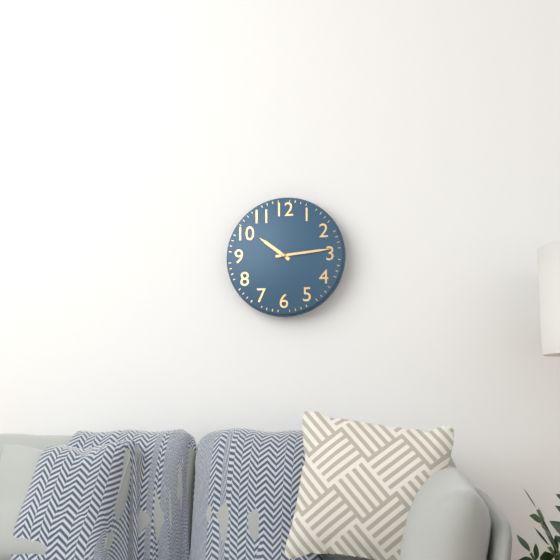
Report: 10 h 14 min
